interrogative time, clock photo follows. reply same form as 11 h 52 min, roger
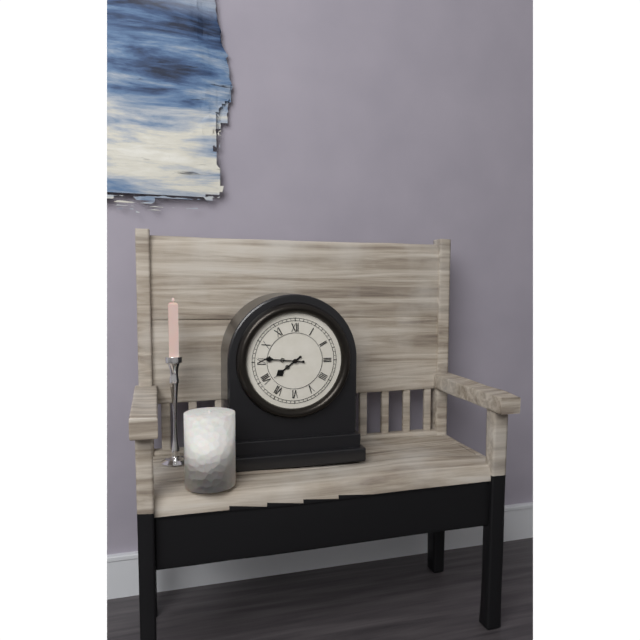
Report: 7 h 46 min
